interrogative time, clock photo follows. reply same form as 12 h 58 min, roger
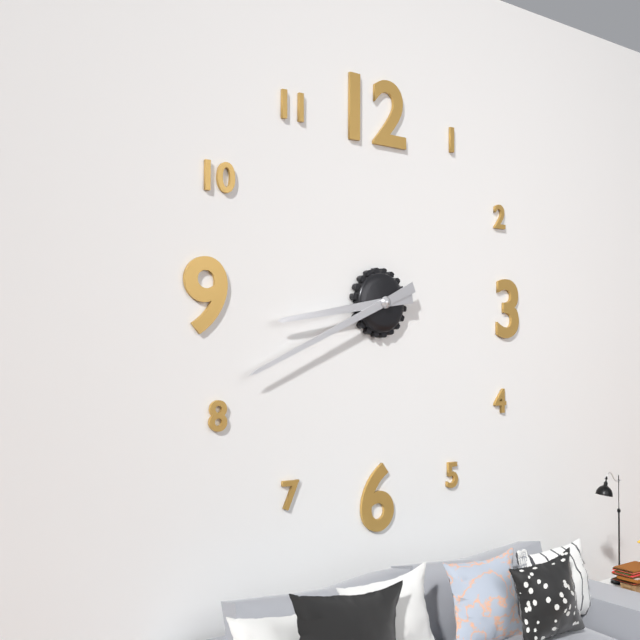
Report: 8 h 41 min
